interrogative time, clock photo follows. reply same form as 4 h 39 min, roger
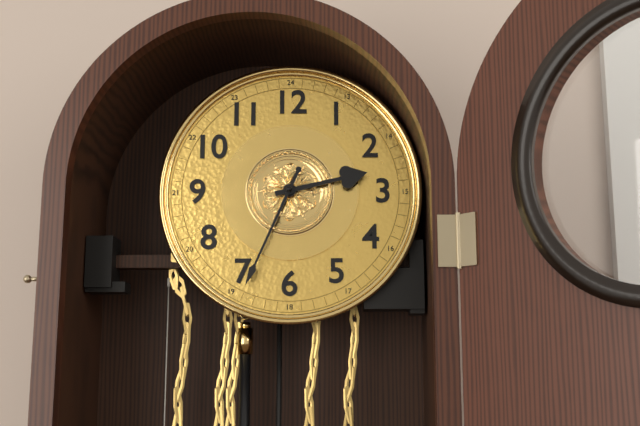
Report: 2 h 34 min
